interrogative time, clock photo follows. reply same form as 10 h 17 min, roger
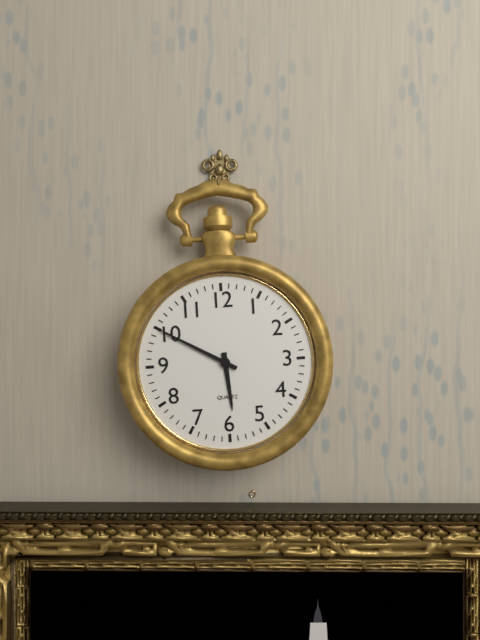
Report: 5 h 50 min
